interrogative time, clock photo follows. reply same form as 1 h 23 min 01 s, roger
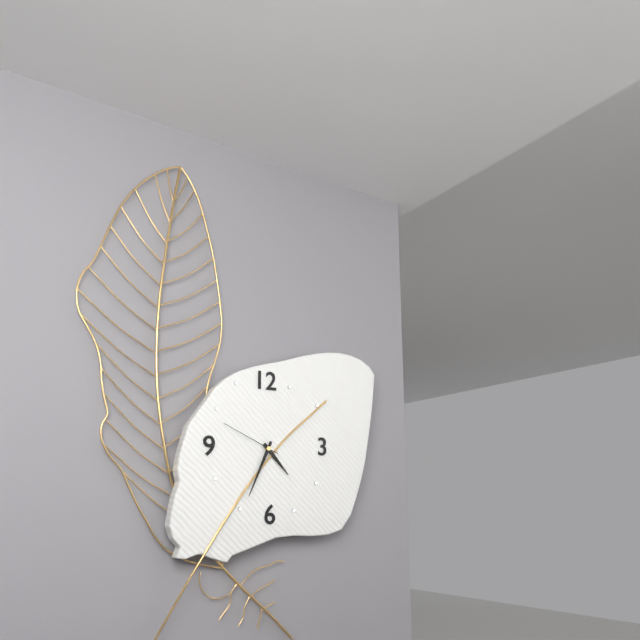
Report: 4 h 34 min 49 s
